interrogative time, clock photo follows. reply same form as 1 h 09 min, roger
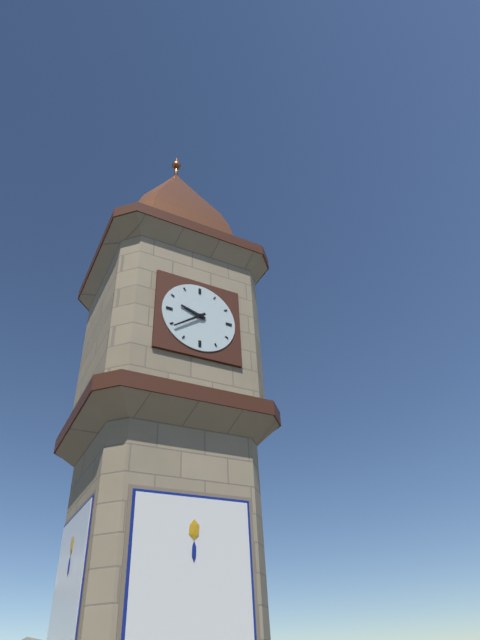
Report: 9 h 39 min
